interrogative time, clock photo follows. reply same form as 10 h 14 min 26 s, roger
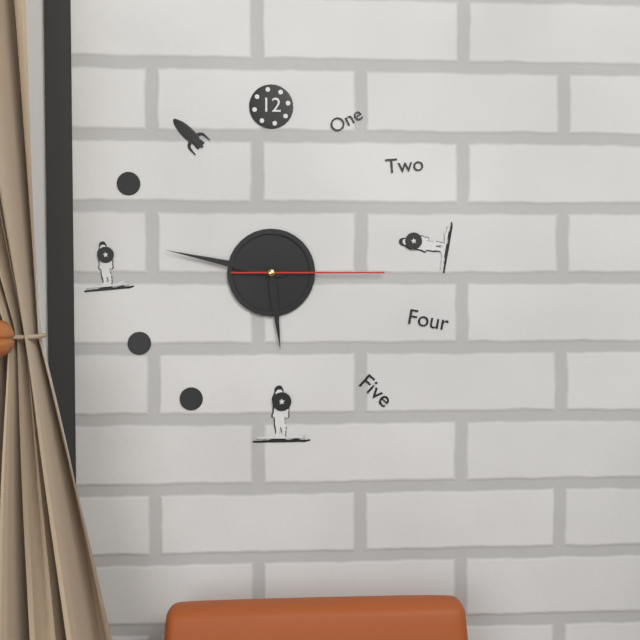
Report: 5 h 47 min 15 s
